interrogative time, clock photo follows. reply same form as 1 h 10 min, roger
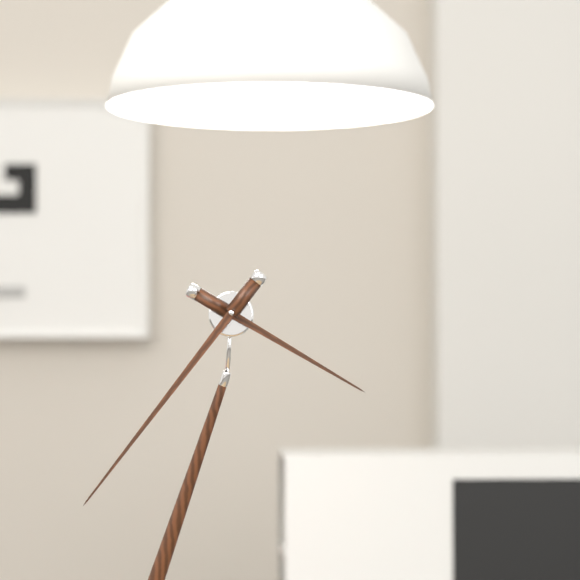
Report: 3 h 34 min
